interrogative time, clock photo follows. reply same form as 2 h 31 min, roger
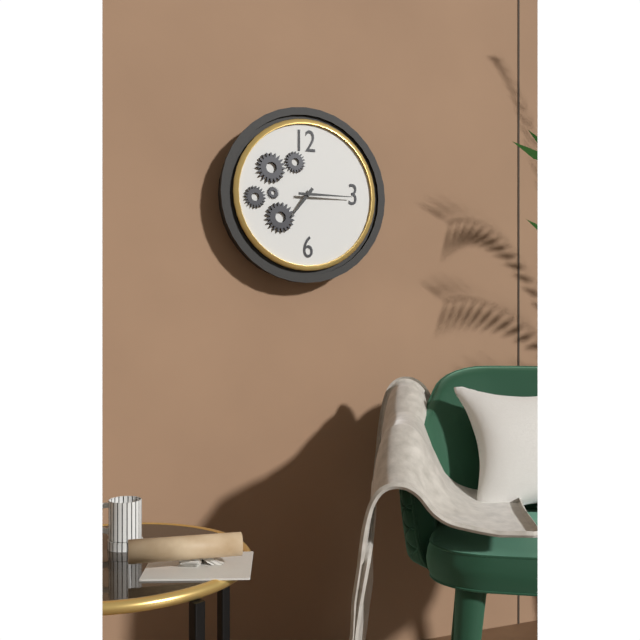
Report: 7 h 15 min
